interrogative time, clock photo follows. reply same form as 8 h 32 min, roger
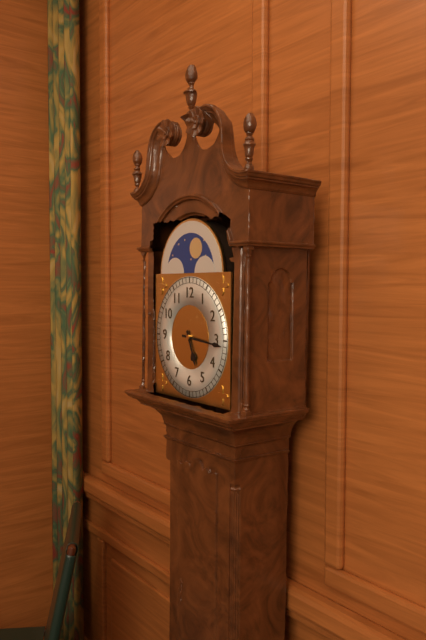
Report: 5 h 16 min
